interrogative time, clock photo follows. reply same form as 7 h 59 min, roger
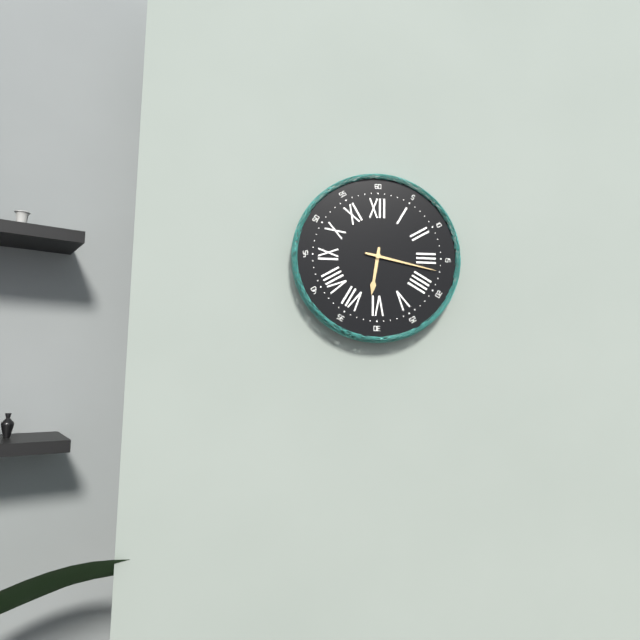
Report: 6 h 17 min
